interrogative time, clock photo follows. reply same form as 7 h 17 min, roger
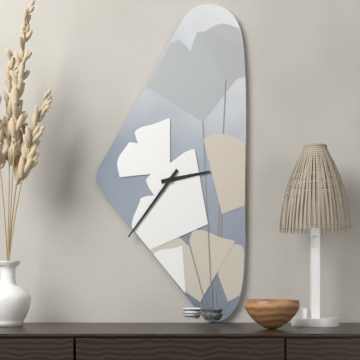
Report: 2 h 36 min
